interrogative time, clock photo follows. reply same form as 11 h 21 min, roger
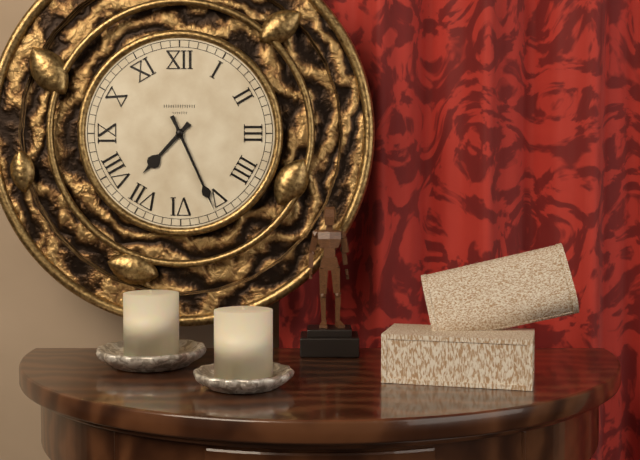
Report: 7 h 26 min
